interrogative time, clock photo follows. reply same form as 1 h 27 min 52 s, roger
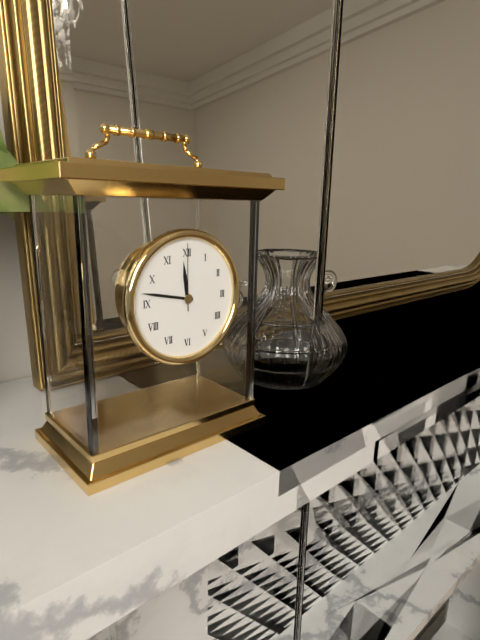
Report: 11 h 47 min 00 s
